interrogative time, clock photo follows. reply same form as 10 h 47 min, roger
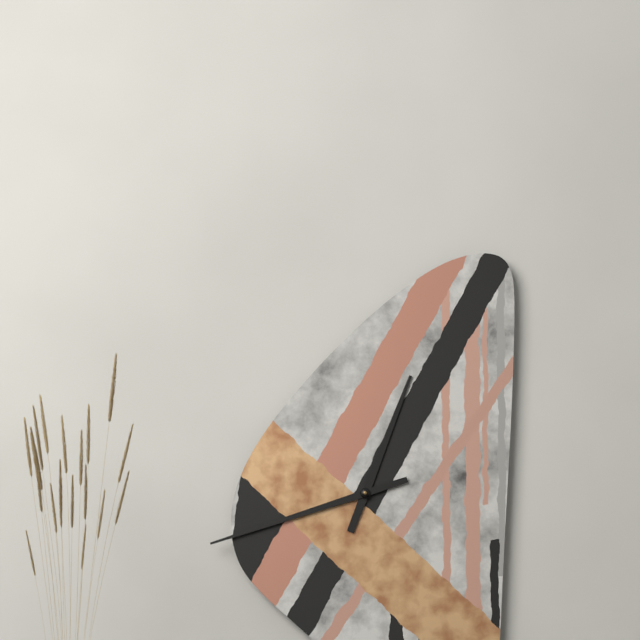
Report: 12 h 42 min
